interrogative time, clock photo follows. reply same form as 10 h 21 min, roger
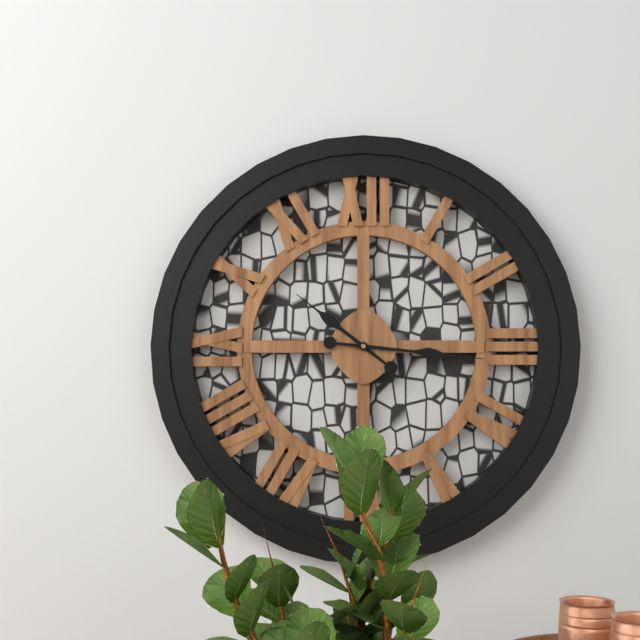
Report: 10 h 16 min
